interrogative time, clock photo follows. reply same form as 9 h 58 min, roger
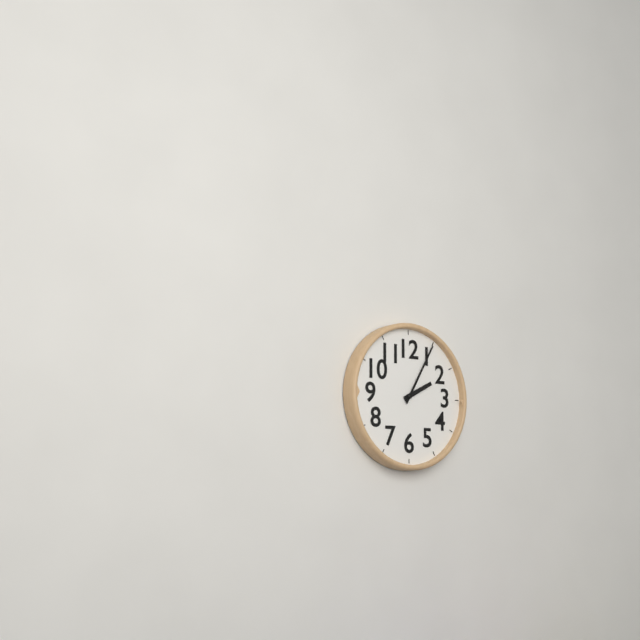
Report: 2 h 05 min
